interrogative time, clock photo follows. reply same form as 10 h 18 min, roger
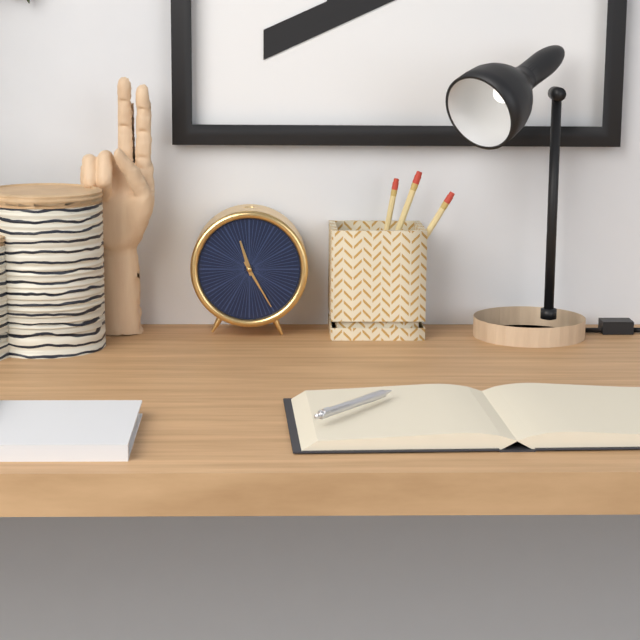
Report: 11 h 25 min
